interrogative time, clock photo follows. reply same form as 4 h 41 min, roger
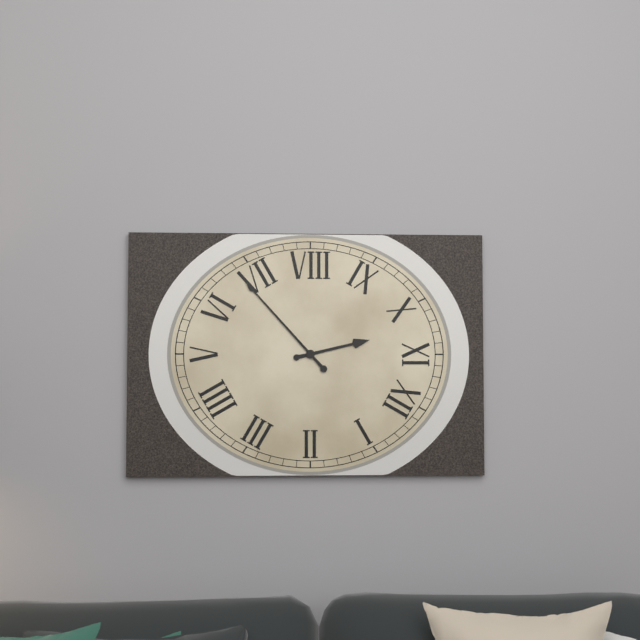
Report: 10 h 33 min
